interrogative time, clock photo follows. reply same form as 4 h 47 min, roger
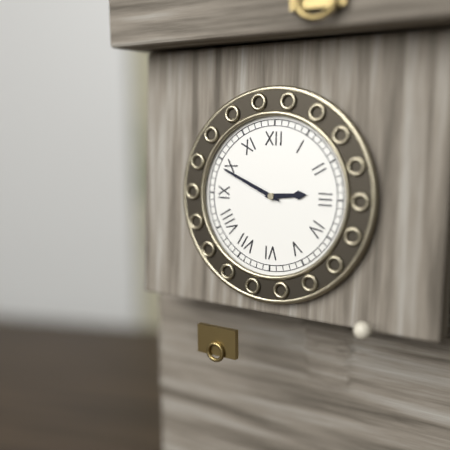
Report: 2 h 49 min
